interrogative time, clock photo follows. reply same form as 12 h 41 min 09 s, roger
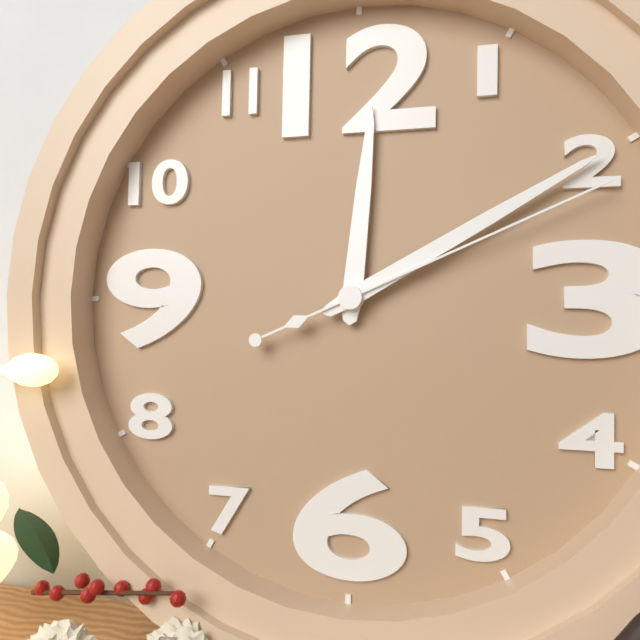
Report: 12 h 10 min 11 s
